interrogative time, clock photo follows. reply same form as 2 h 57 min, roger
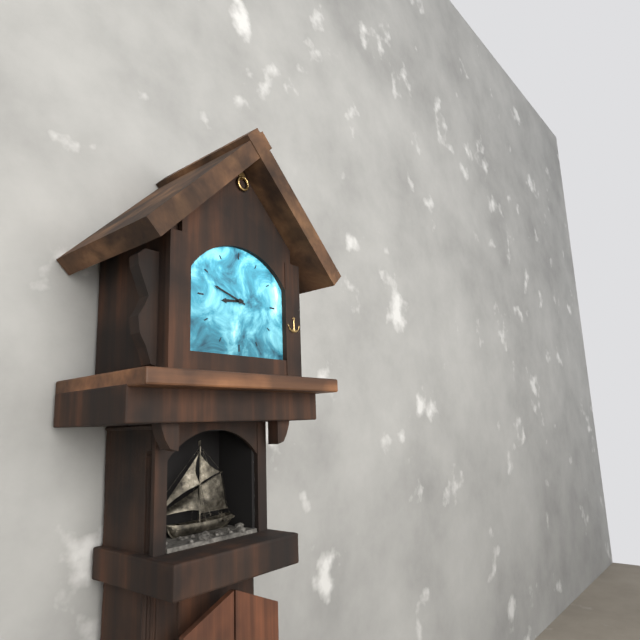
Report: 8 h 48 min
